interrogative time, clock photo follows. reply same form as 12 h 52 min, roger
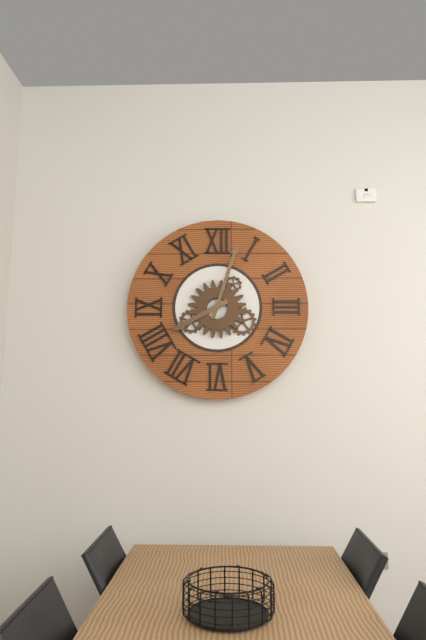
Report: 8 h 03 min
